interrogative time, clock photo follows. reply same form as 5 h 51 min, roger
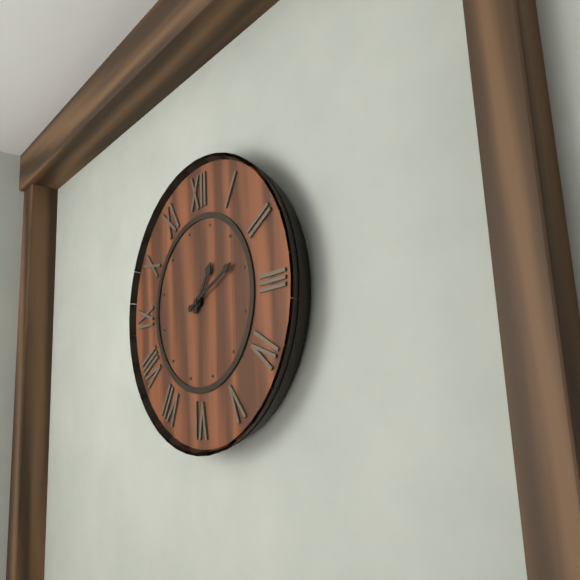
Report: 1 h 11 min
